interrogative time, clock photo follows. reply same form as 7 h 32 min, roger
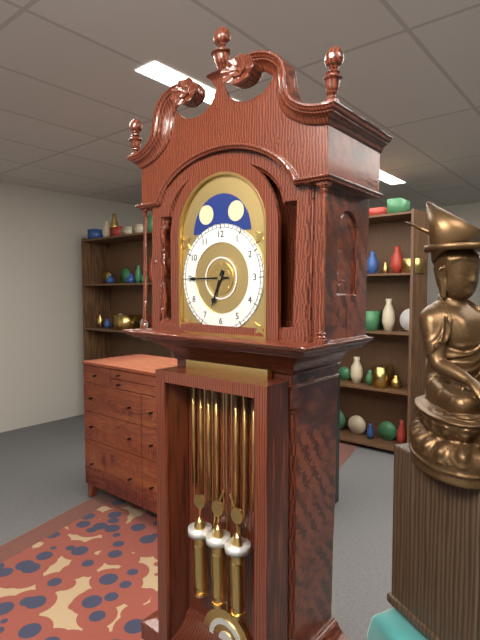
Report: 6 h 45 min
